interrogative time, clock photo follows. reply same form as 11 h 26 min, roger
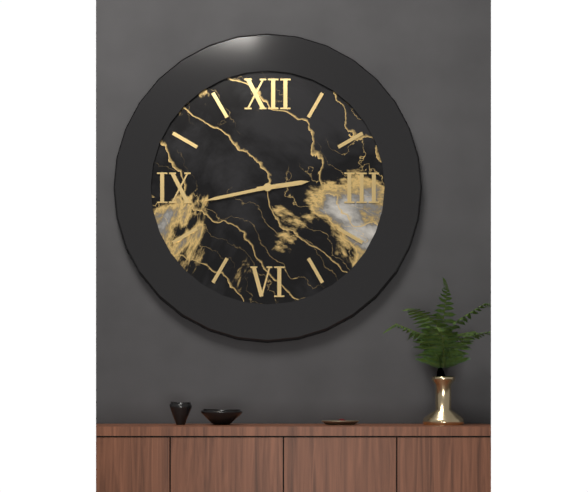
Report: 2 h 43 min
